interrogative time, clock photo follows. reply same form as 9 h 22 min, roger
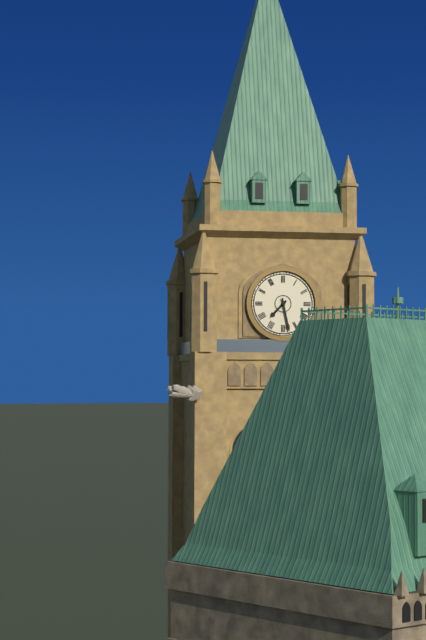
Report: 7 h 28 min
